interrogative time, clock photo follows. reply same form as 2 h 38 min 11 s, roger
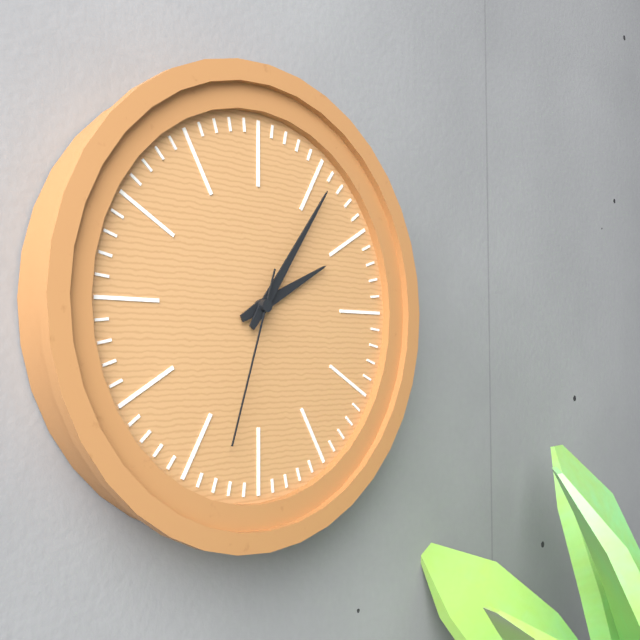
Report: 2 h 06 min 33 s
